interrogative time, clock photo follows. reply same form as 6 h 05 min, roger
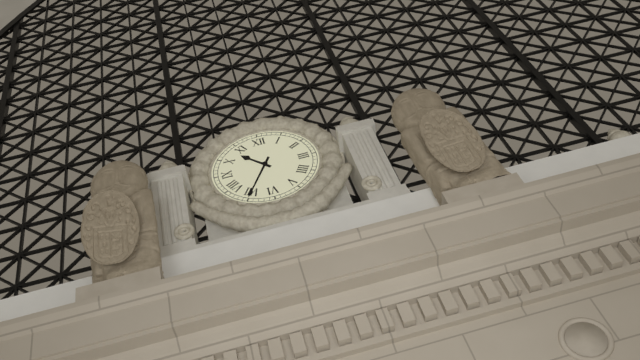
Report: 10 h 35 min
